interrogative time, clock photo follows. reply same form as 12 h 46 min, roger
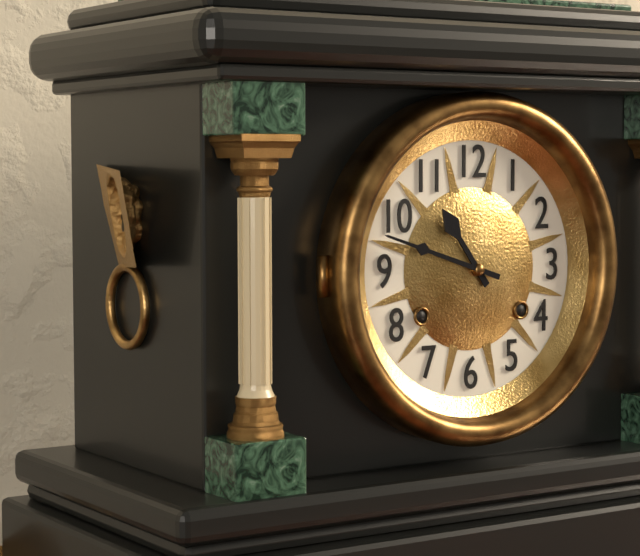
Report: 10 h 48 min
